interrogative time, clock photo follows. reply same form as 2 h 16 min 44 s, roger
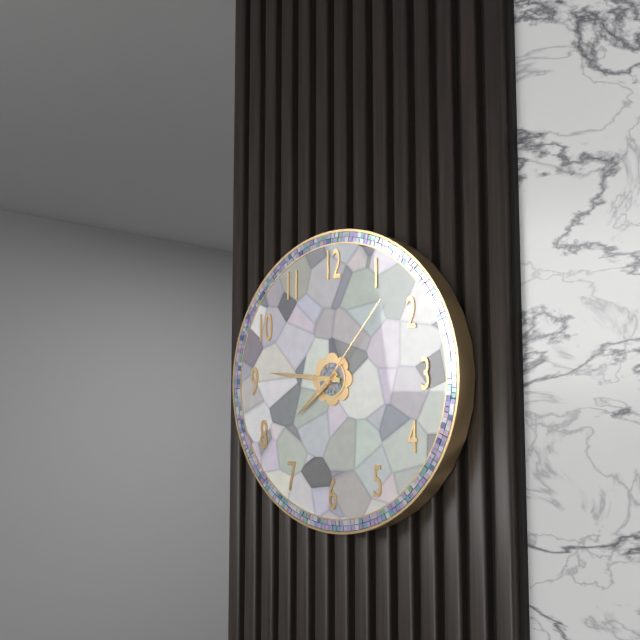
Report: 7 h 46 min 07 s
